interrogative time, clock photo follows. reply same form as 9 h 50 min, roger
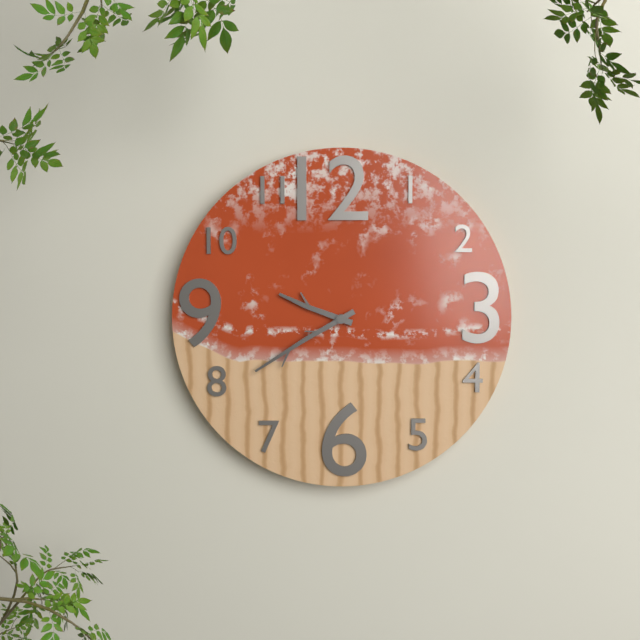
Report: 9 h 40 min
